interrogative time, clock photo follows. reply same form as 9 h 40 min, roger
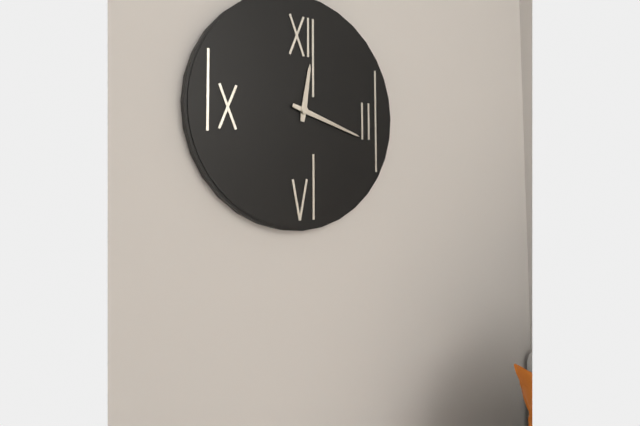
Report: 12 h 18 min
